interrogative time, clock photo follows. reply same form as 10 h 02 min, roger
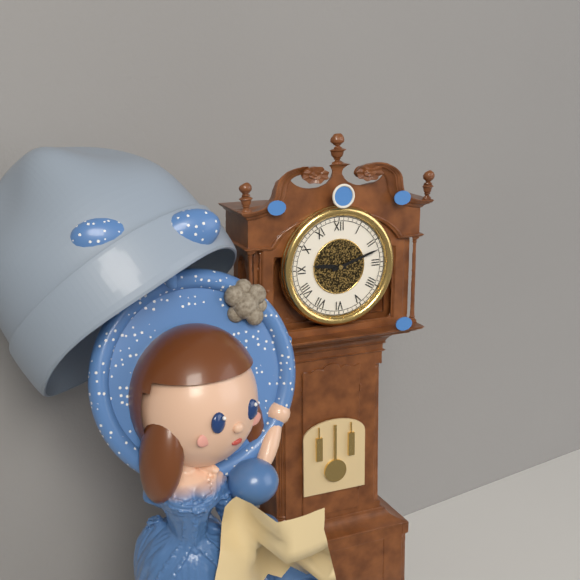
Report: 9 h 12 min
